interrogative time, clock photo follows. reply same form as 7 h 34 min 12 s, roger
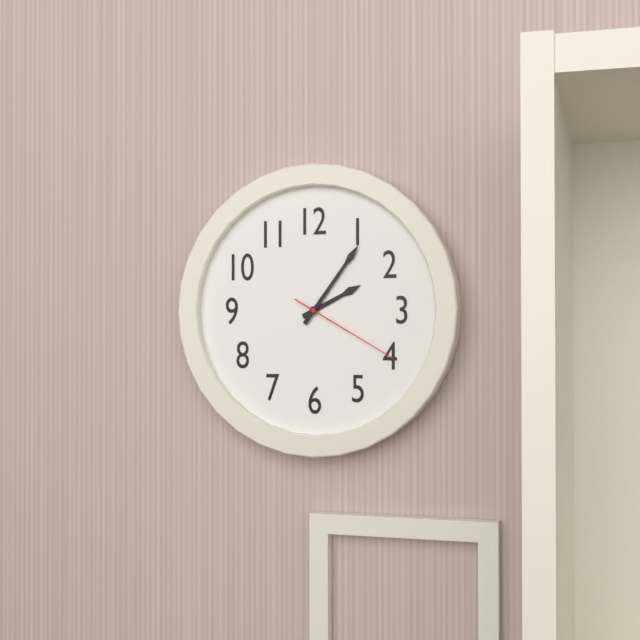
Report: 2 h 06 min 20 s
